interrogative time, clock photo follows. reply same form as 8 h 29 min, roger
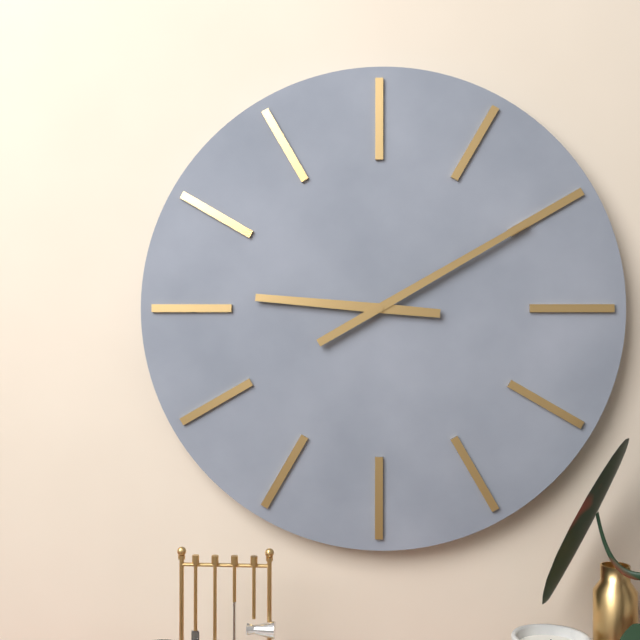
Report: 9 h 10 min
